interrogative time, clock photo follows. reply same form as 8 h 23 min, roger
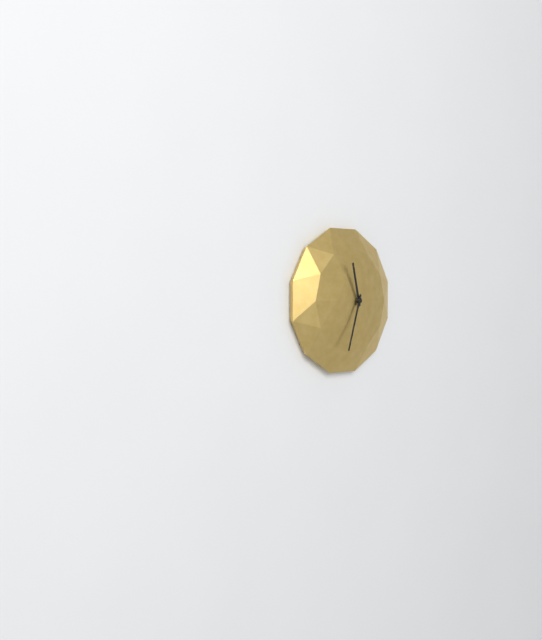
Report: 11 h 33 min
